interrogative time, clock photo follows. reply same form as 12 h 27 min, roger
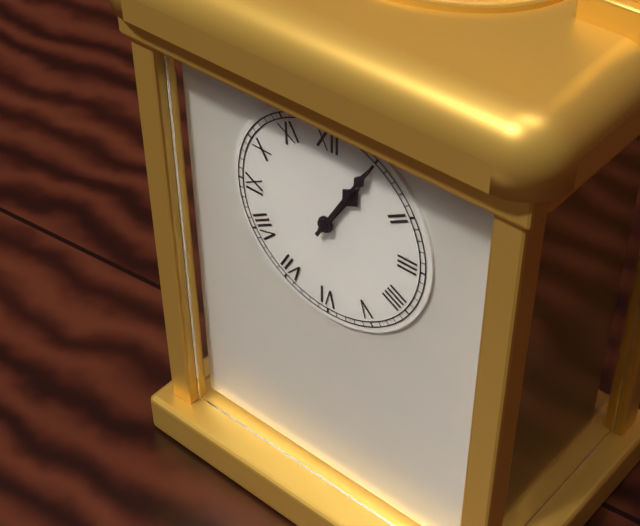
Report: 1 h 05 min
